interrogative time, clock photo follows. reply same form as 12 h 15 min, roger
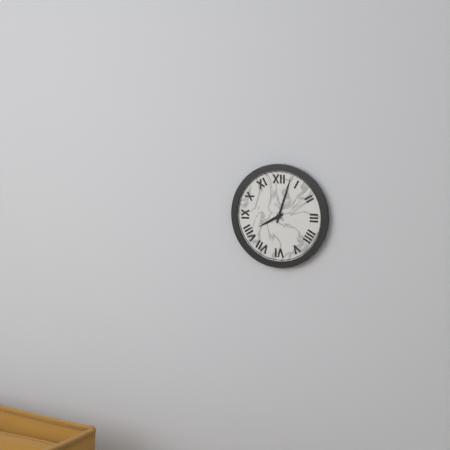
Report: 8 h 03 min
